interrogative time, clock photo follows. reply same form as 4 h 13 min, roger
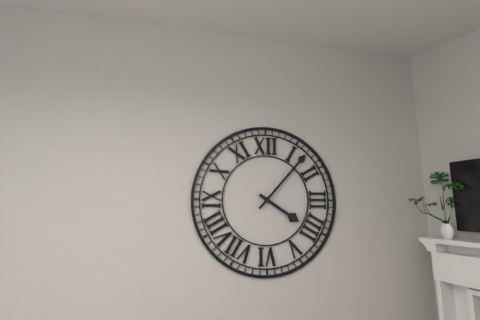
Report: 4 h 07 min
